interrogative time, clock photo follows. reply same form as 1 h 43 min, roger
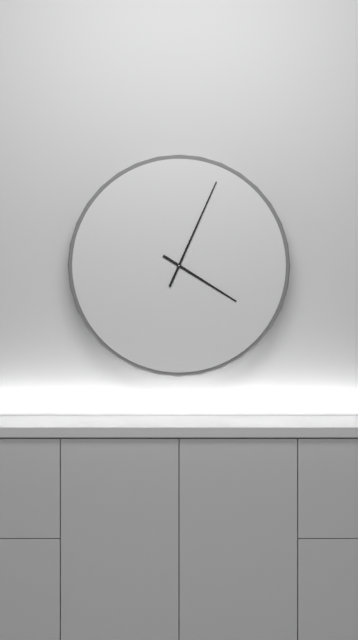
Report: 4 h 04 min
